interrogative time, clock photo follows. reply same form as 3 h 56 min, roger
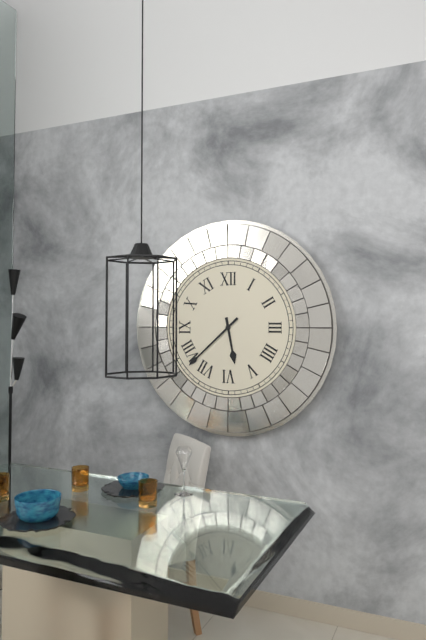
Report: 5 h 38 min
